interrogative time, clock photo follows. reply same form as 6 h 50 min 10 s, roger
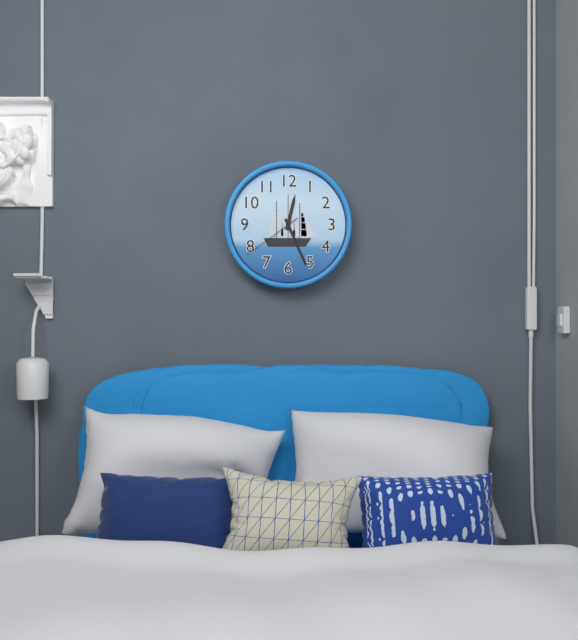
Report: 12 h 26 min 39 s
